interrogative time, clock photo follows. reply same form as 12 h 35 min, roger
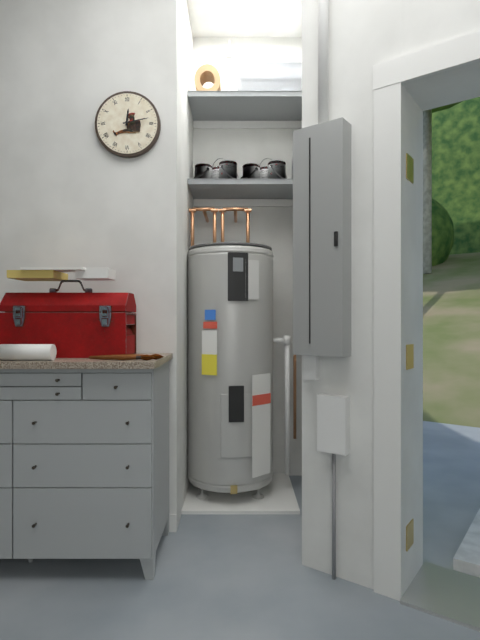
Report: 12 h 13 min
